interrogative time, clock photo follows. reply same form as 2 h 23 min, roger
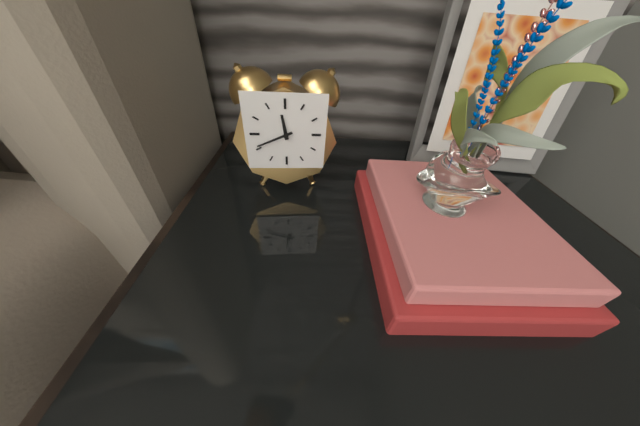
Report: 11 h 41 min
